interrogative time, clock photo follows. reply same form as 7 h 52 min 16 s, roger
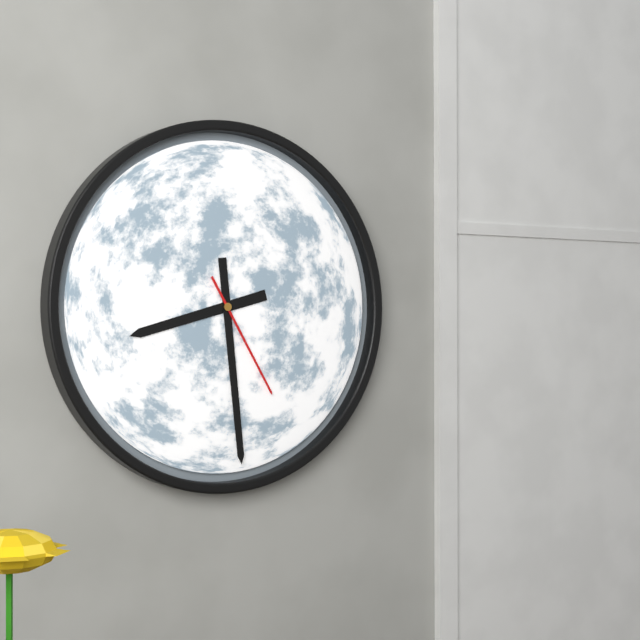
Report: 8 h 29 min 25 s
